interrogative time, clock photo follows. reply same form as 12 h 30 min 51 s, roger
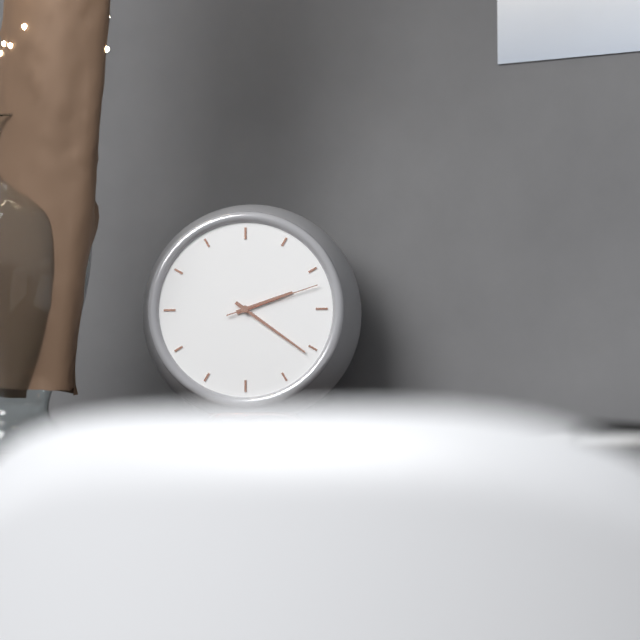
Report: 2 h 21 min 12 s
